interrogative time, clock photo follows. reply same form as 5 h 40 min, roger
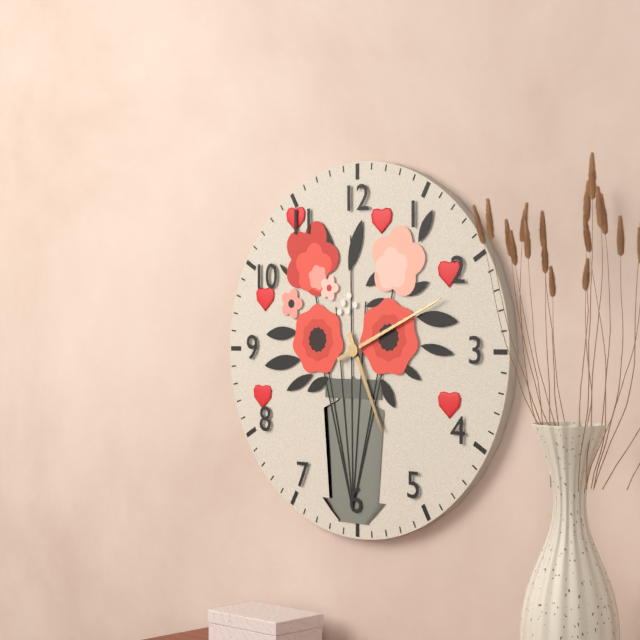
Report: 5 h 11 min
